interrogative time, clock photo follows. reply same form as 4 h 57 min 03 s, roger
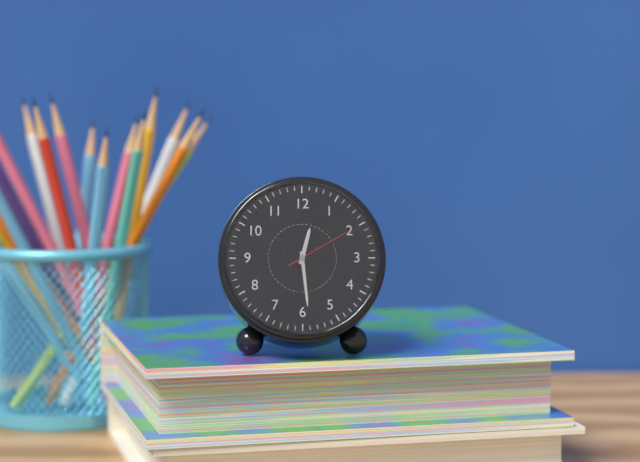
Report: 12 h 29 min 10 s
